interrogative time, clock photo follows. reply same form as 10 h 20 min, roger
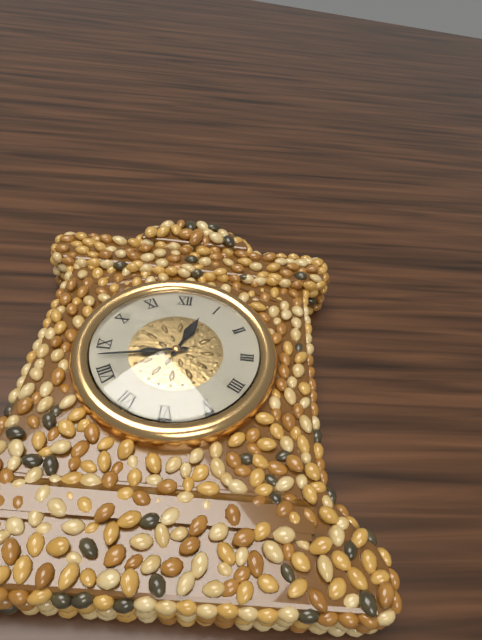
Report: 12 h 43 min
